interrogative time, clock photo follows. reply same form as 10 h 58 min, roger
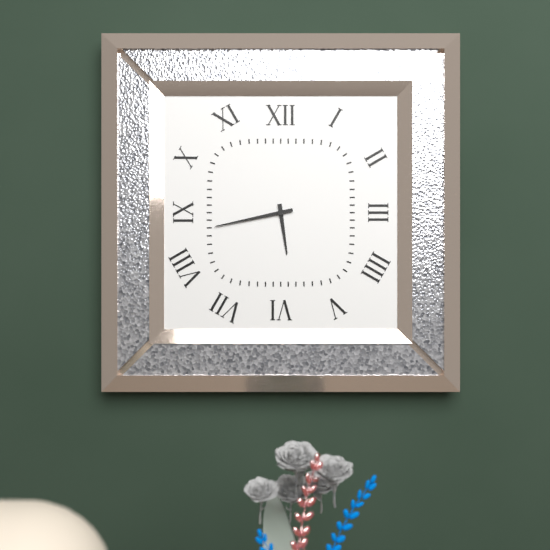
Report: 5 h 43 min
